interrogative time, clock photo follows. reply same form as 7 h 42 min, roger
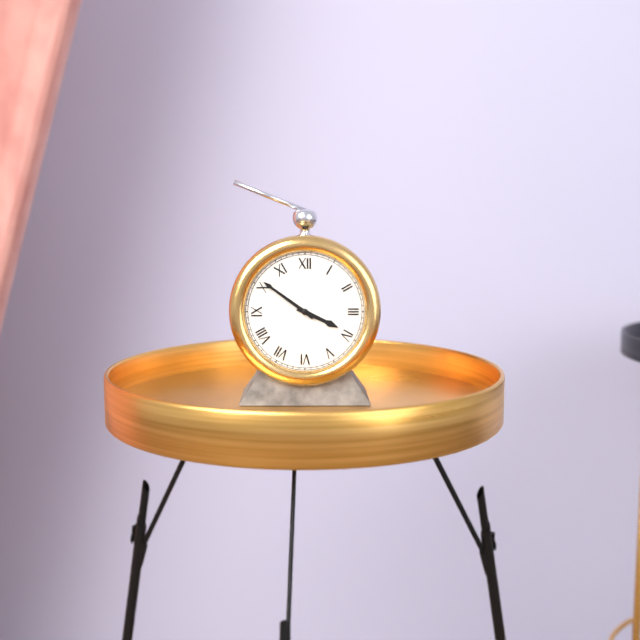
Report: 3 h 51 min
